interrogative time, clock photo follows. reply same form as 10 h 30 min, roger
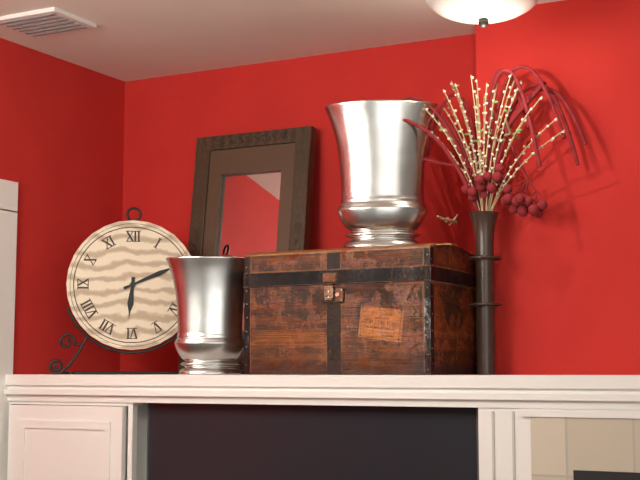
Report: 6 h 11 min
